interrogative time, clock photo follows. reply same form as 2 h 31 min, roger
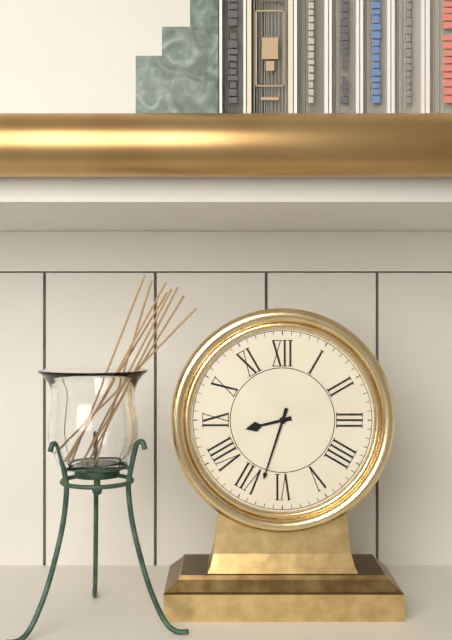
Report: 8 h 33 min
